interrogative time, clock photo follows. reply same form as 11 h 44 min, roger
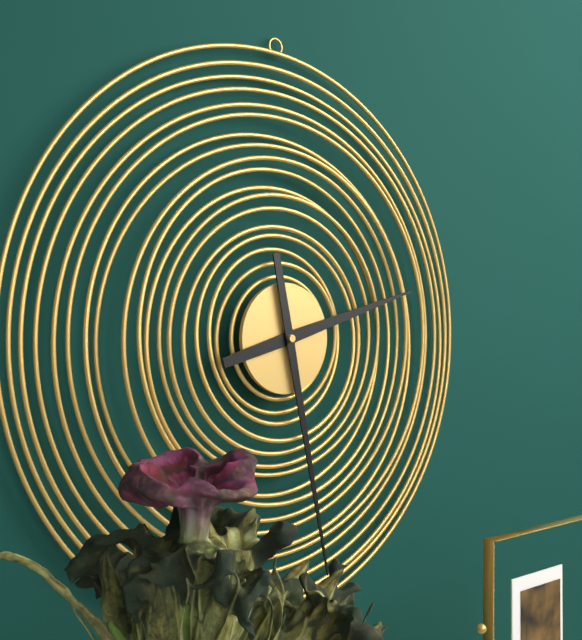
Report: 2 h 28 min
